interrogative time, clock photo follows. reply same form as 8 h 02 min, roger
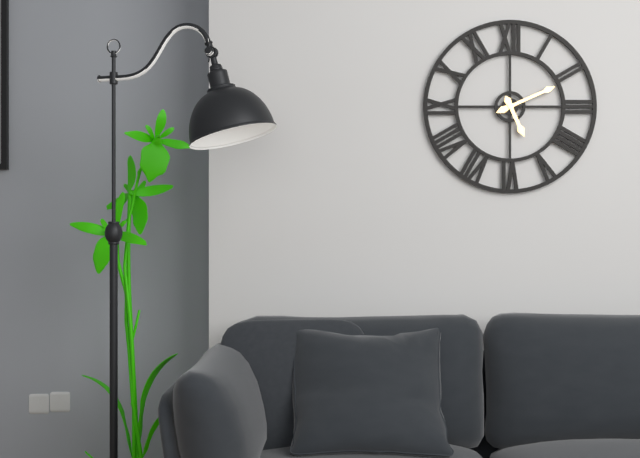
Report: 5 h 11 min
